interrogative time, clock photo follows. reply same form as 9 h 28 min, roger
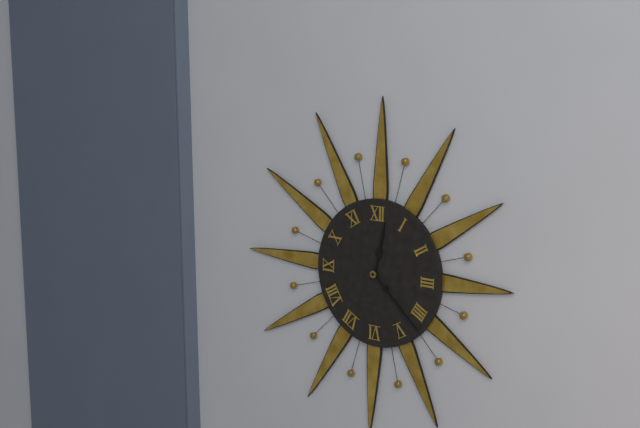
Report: 12 h 22 min
